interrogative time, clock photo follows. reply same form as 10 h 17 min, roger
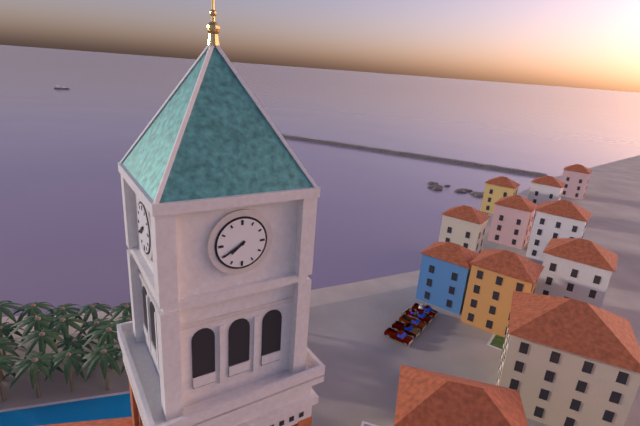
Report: 7 h 40 min
